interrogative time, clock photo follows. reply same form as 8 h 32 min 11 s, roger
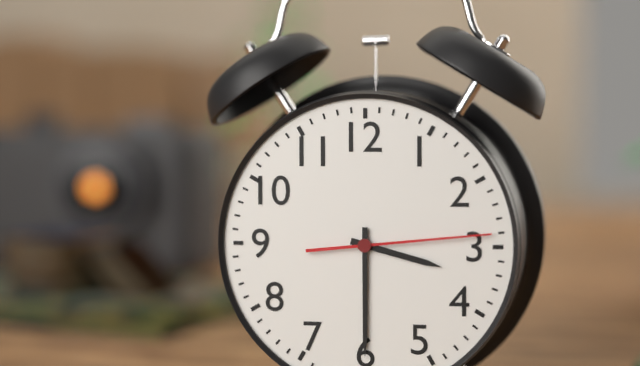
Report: 3 h 30 min 14 s
